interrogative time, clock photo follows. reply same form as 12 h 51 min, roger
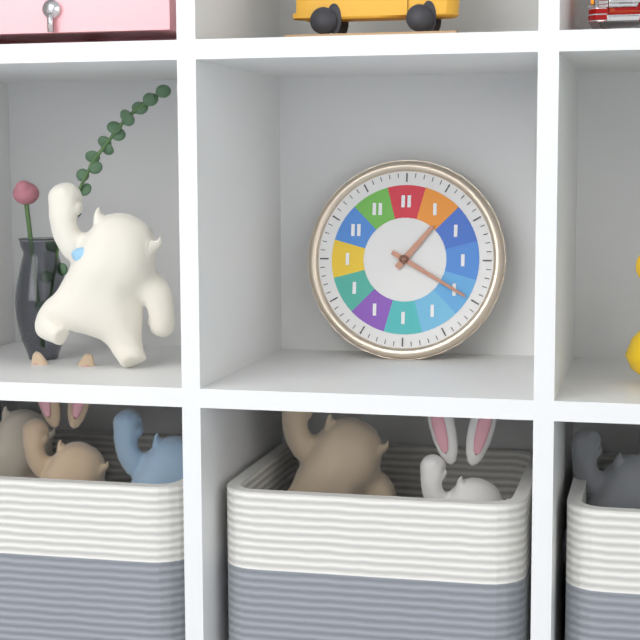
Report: 1 h 20 min
